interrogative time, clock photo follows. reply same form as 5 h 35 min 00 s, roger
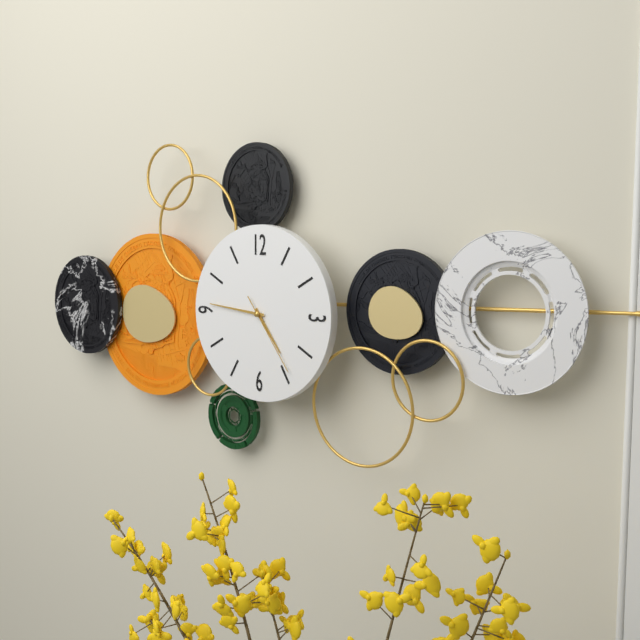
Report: 4 h 46 min 24 s
